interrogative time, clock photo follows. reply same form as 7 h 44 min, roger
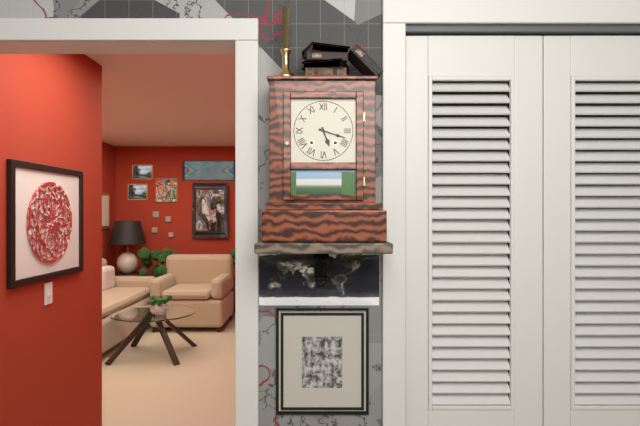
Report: 5 h 18 min
